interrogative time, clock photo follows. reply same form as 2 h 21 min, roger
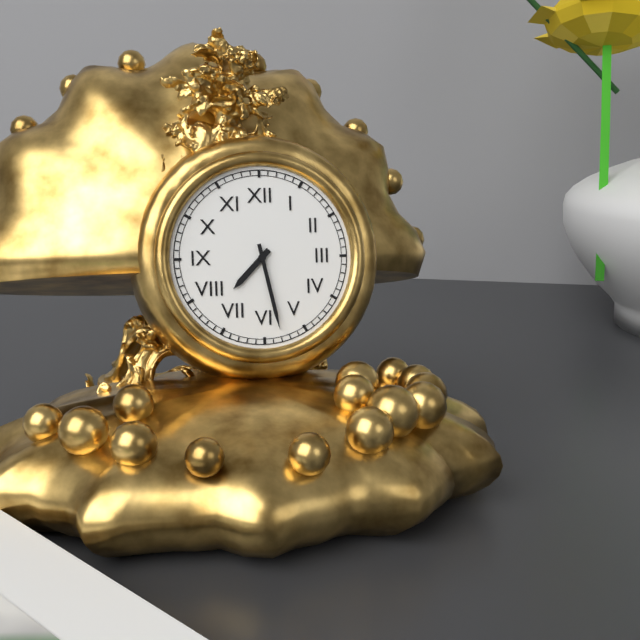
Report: 7 h 28 min
